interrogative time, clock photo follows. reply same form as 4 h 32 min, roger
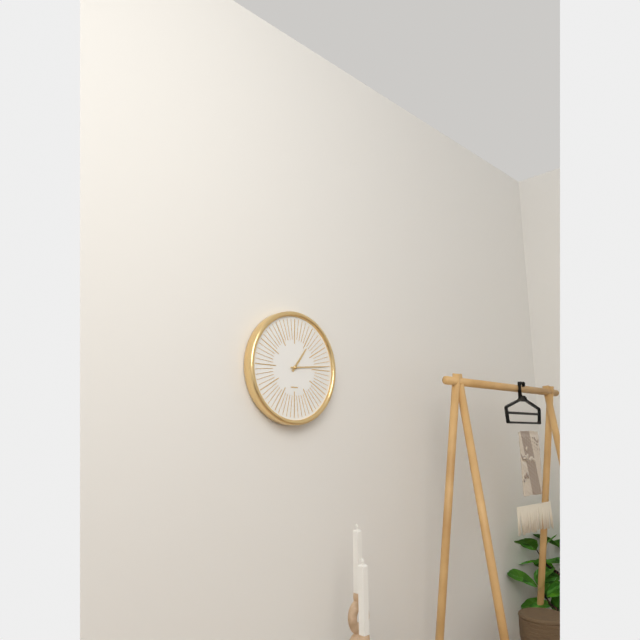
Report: 1 h 14 min
